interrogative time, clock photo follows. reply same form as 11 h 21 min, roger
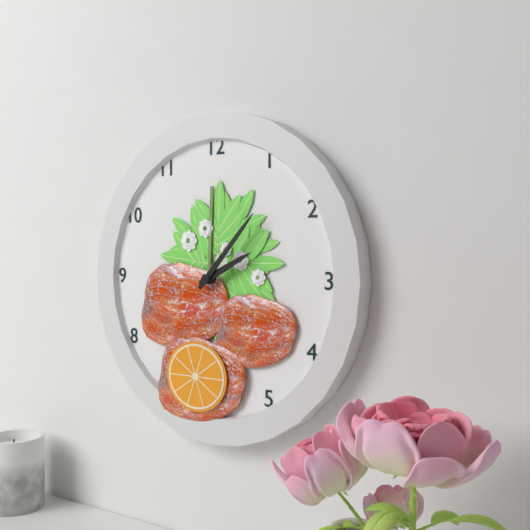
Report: 2 h 07 min
